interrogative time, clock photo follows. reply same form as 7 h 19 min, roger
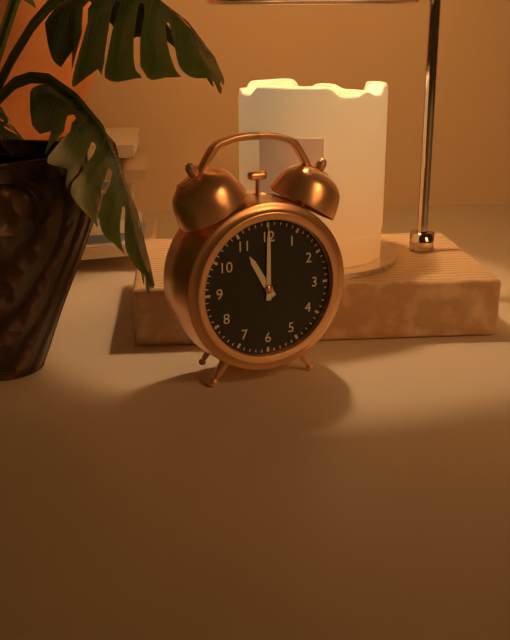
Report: 11 h 00 min
